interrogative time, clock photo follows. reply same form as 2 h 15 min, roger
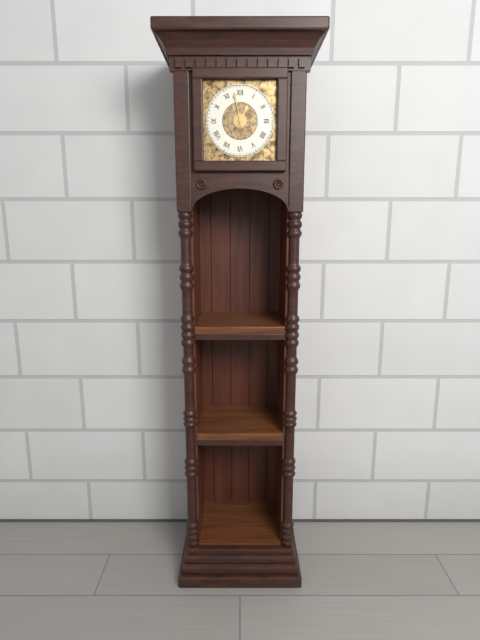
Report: 12 h 58 min
